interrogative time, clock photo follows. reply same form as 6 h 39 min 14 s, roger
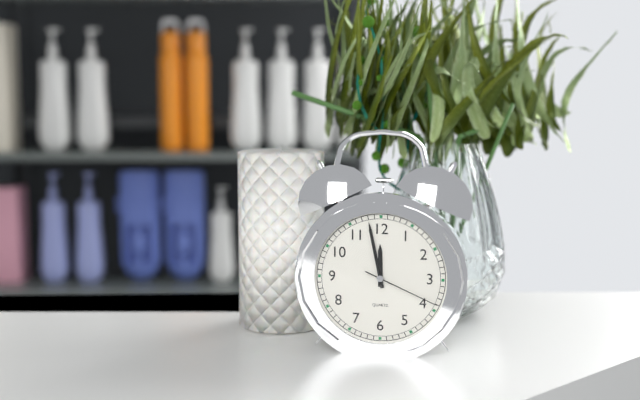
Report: 11 h 58 min 19 s
